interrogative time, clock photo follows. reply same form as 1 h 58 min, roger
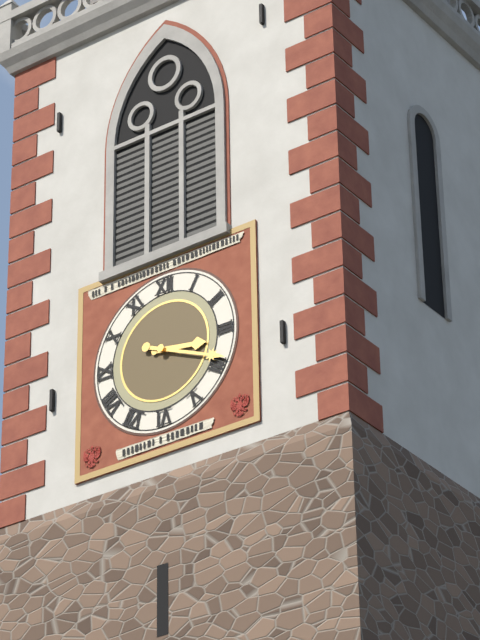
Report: 3 h 19 min
